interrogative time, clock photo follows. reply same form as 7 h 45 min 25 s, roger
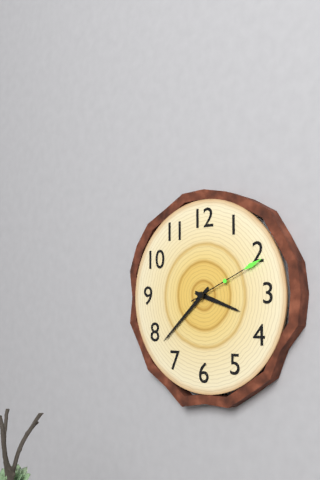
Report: 3 h 38 min 11 s
